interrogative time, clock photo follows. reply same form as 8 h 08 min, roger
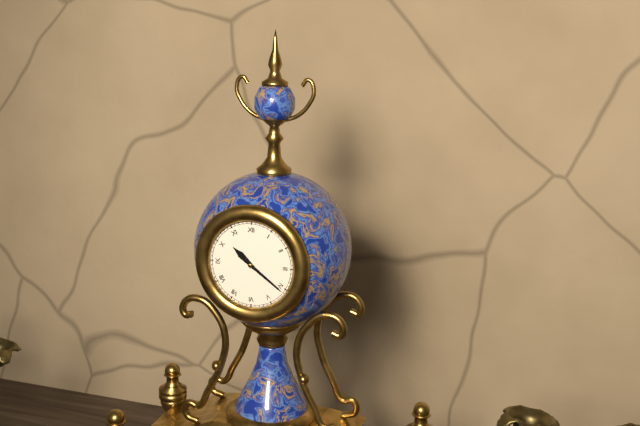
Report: 10 h 21 min
